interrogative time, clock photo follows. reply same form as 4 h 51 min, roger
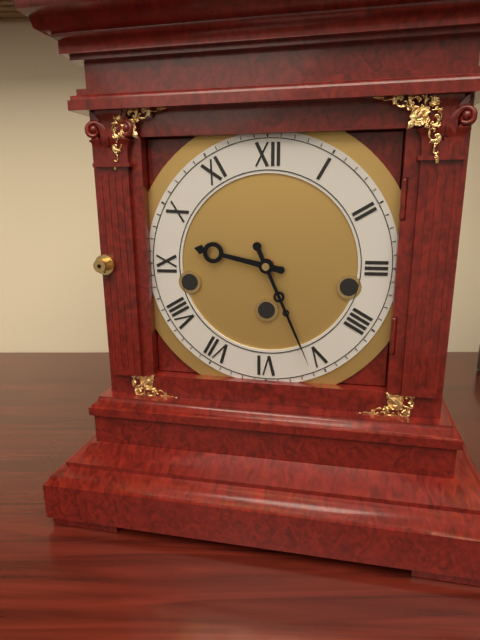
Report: 9 h 26 min
